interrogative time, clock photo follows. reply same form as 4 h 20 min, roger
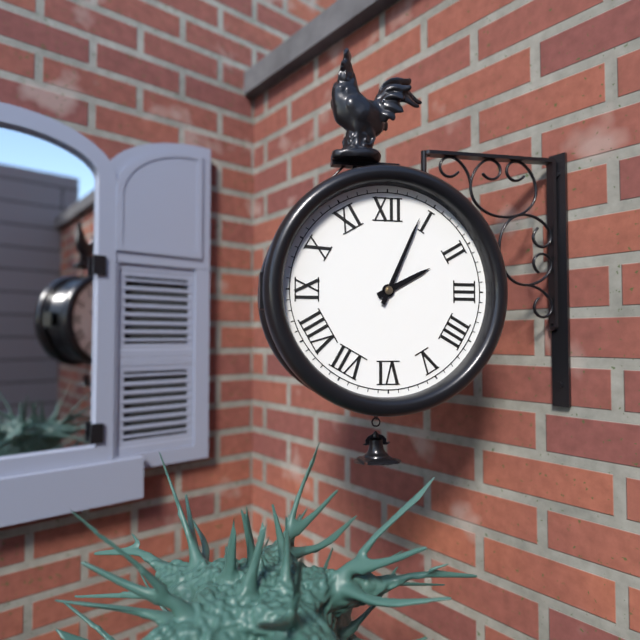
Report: 2 h 04 min
